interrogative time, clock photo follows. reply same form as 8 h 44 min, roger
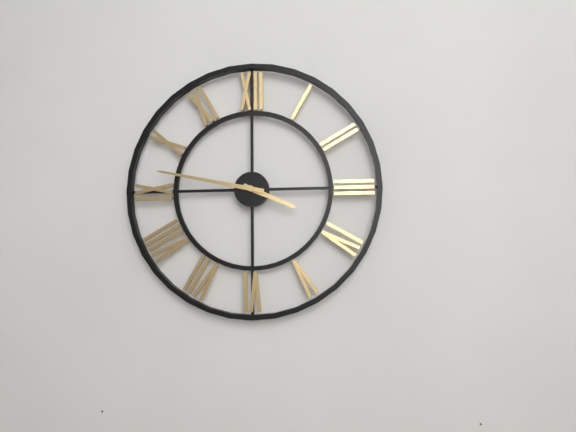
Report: 3 h 47 min
